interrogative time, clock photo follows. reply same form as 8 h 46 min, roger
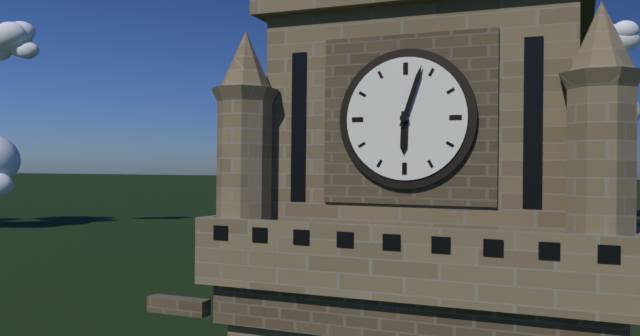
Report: 6 h 03 min
